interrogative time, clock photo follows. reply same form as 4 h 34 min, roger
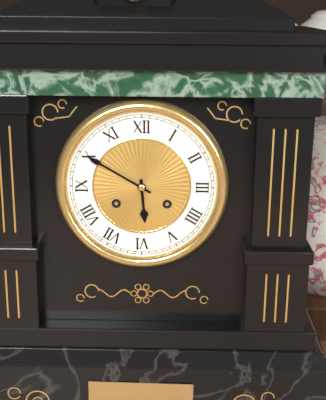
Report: 5 h 50 min
